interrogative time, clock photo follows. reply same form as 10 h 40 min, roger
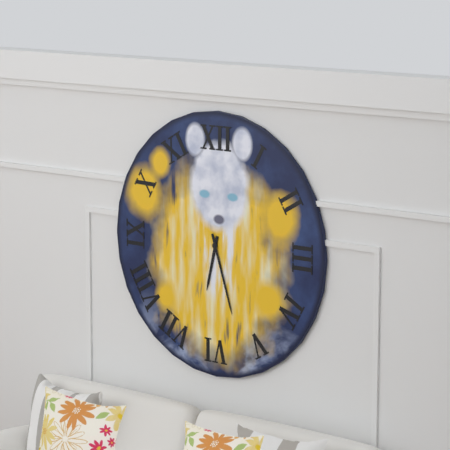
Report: 6 h 27 min
